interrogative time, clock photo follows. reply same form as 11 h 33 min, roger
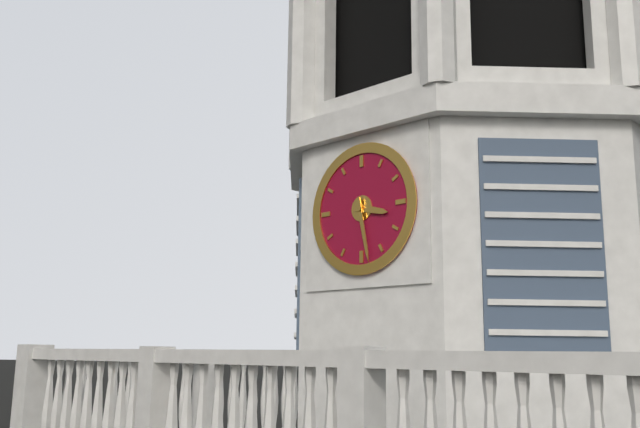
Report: 3 h 28 min
